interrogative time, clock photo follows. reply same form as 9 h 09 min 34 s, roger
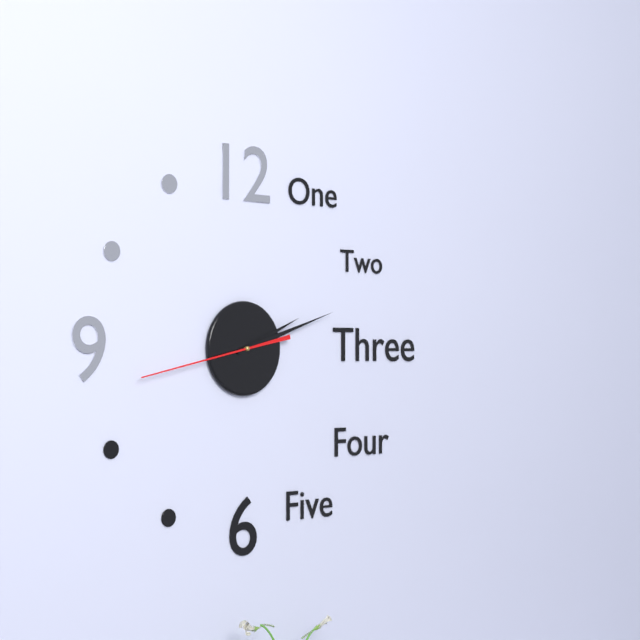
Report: 2 h 12 min 43 s
